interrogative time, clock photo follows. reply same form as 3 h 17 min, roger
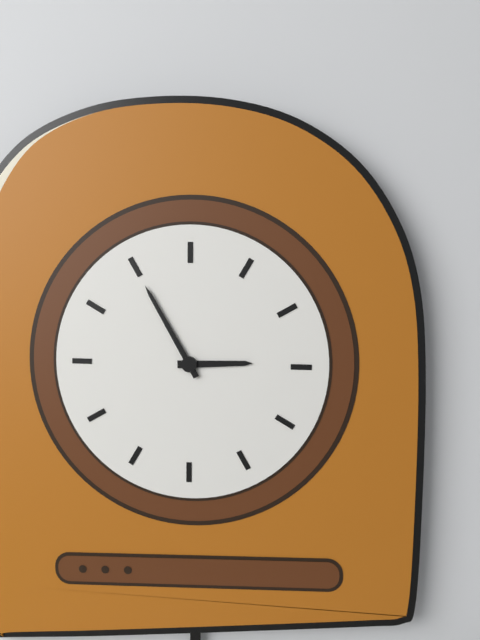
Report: 2 h 55 min
